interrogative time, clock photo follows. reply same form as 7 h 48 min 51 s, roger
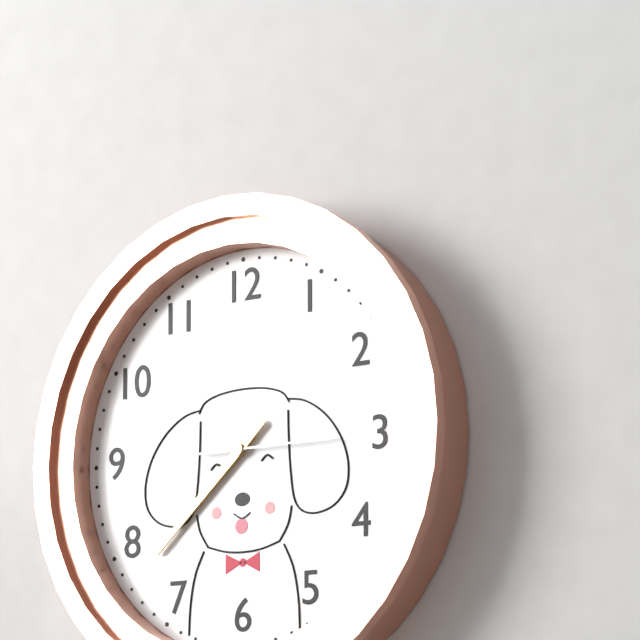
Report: 7 h 38 min 15 s
